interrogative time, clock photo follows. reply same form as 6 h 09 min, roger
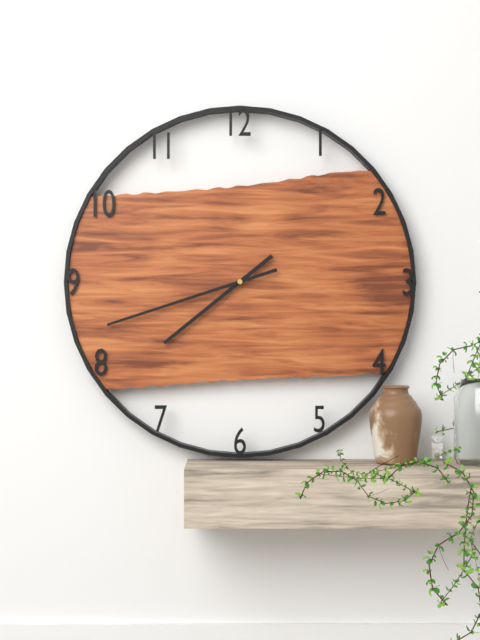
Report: 7 h 42 min
